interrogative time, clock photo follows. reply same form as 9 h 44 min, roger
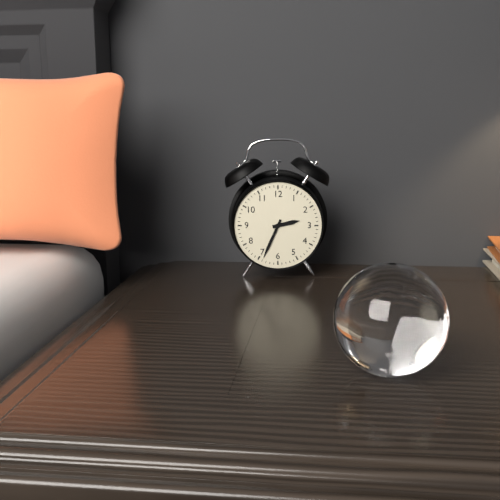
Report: 2 h 34 min
